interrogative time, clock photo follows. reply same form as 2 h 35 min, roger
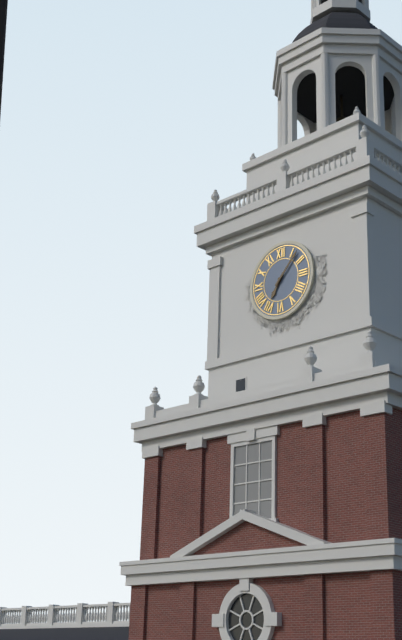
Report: 7 h 07 min
